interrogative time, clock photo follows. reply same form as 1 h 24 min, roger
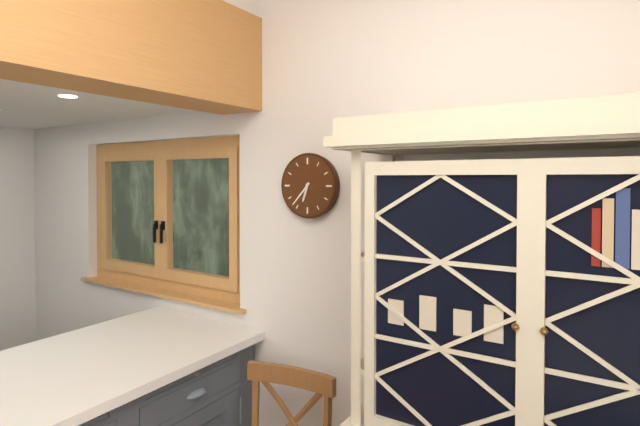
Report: 6 h 37 min
